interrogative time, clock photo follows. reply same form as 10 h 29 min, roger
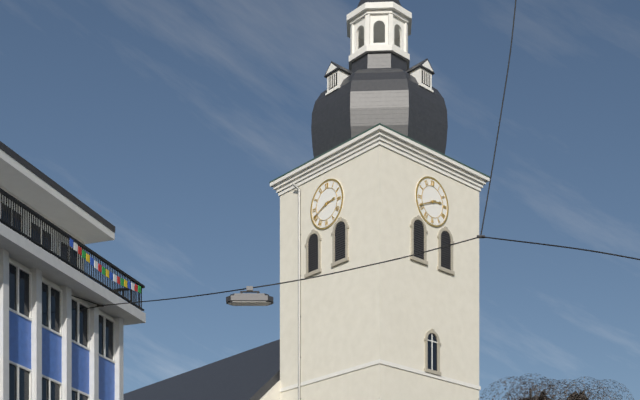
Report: 2 h 41 min
